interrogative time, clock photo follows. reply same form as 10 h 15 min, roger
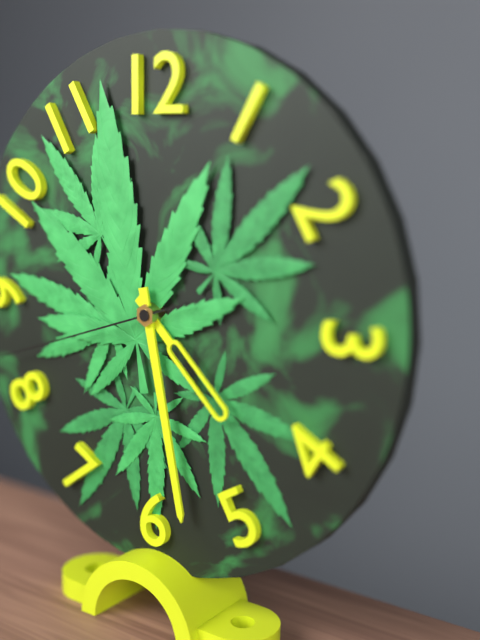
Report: 4 h 28 min
